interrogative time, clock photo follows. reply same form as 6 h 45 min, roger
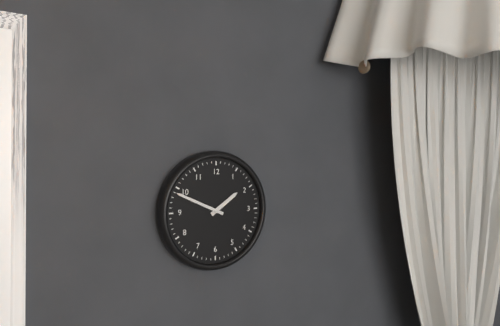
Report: 1 h 49 min
